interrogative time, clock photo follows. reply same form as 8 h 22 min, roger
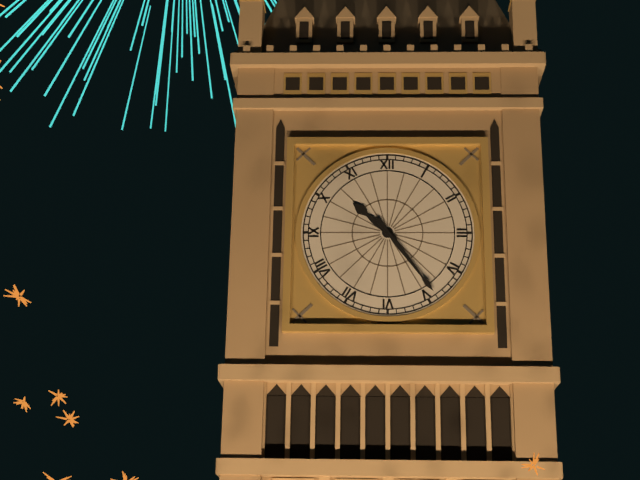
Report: 10 h 24 min
